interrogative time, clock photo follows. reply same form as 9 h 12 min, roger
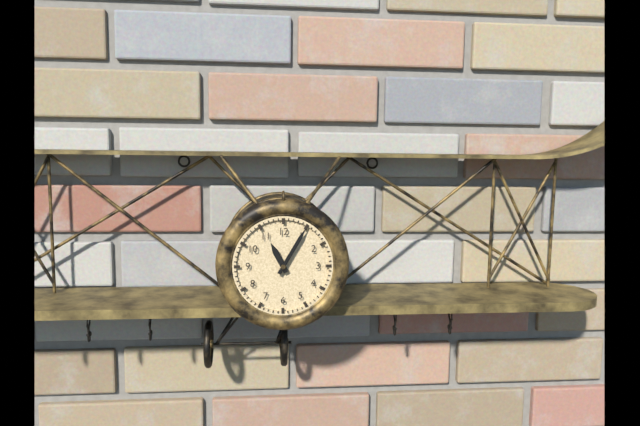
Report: 11 h 05 min
